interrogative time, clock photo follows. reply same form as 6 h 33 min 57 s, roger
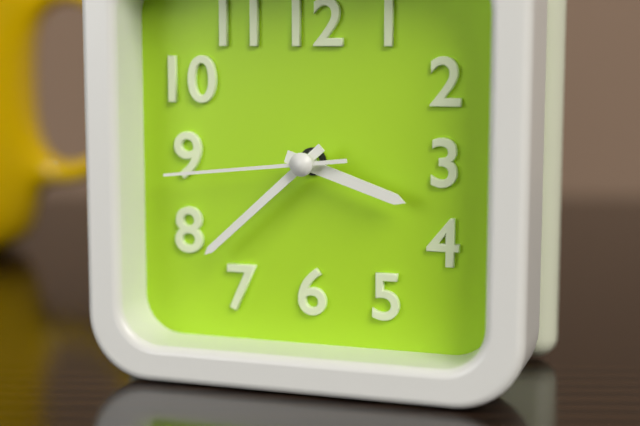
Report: 3 h 38 min 44 s
